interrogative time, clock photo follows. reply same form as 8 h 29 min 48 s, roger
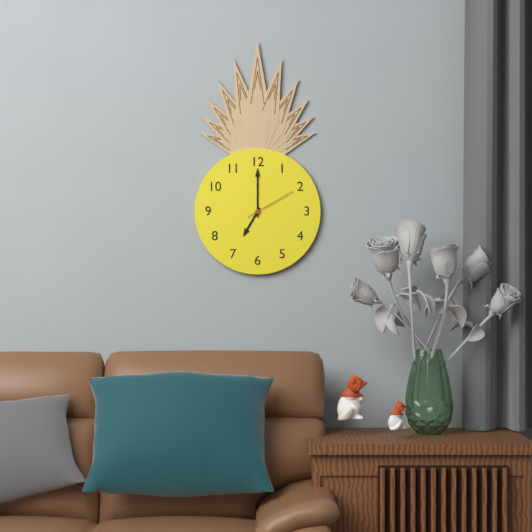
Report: 7 h 00 min 10 s
